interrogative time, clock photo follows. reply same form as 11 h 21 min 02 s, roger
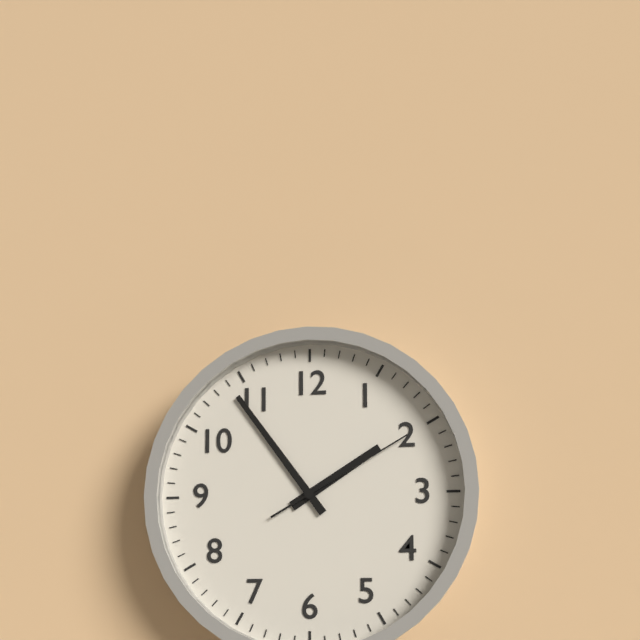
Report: 1 h 54 min 10 s
